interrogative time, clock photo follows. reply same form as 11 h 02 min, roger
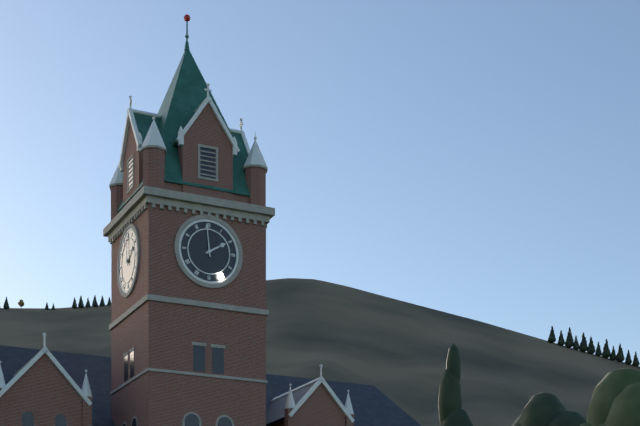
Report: 1 h 59 min
